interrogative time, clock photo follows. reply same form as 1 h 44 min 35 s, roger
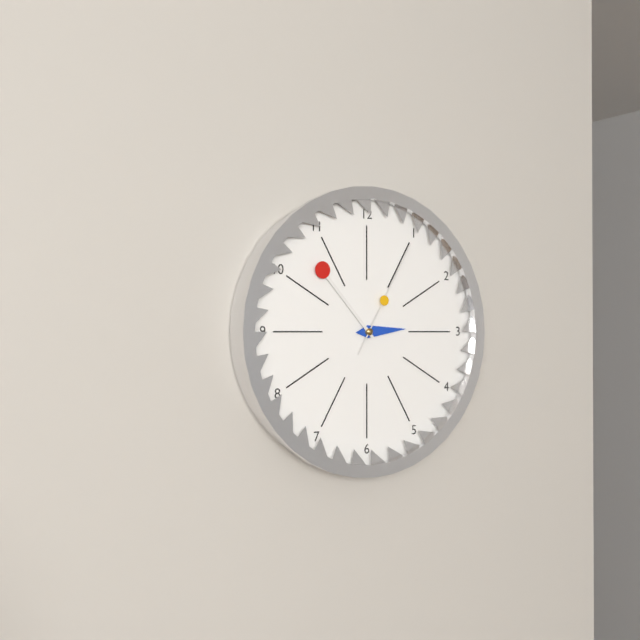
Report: 2 h 53 min 05 s
